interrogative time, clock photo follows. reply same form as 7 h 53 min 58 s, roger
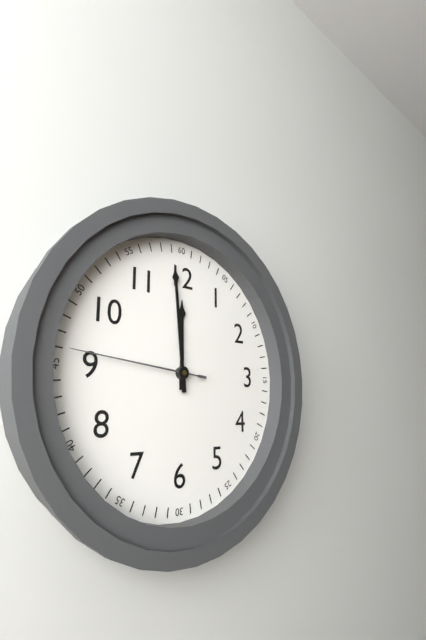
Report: 11 h 59 min 46 s
